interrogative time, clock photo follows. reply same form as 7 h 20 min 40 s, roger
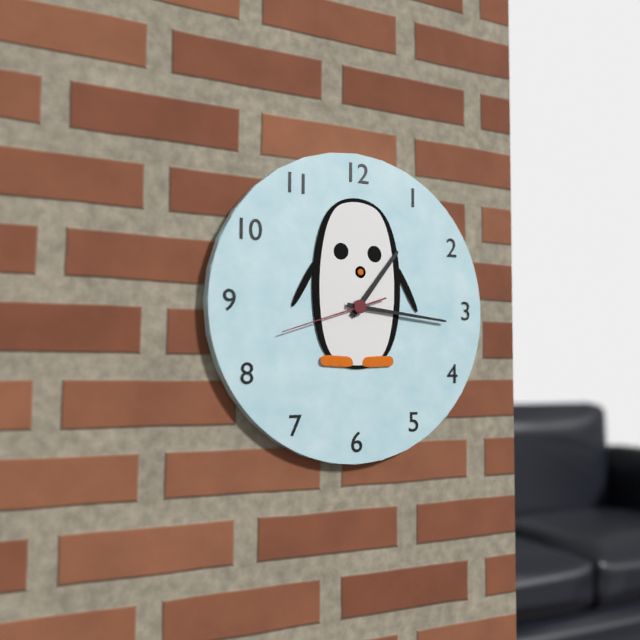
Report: 1 h 16 min 42 s
